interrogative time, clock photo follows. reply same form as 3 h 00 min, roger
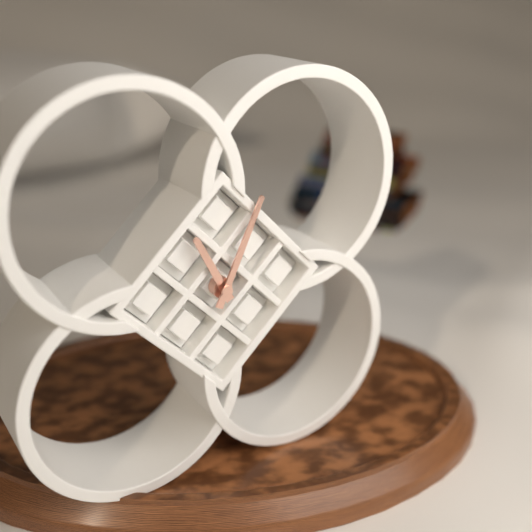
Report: 11 h 04 min
